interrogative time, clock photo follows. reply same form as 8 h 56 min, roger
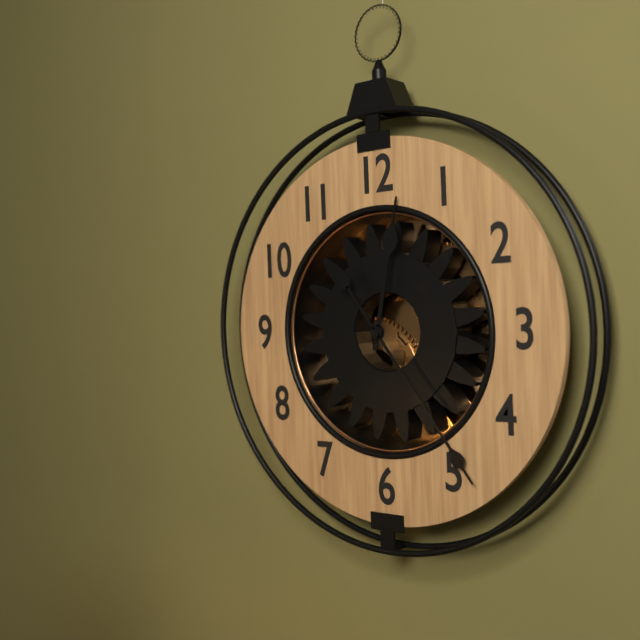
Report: 12 h 24 min
